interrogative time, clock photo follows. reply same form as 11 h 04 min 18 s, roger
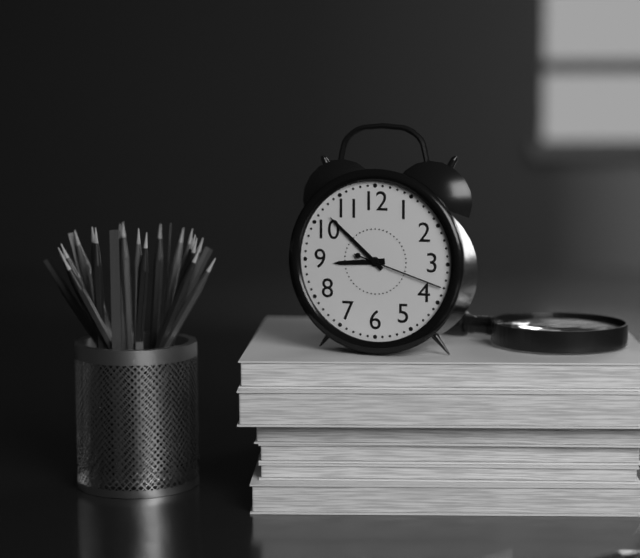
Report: 8 h 52 min 18 s
